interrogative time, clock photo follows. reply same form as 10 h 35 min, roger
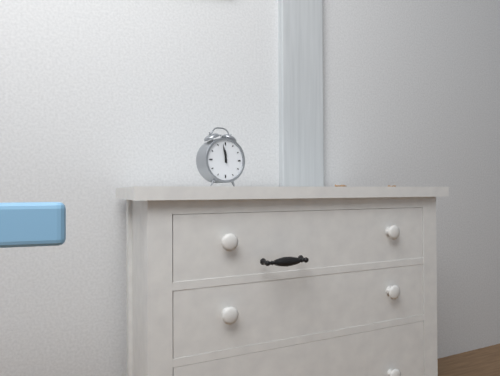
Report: 11 h 58 min
